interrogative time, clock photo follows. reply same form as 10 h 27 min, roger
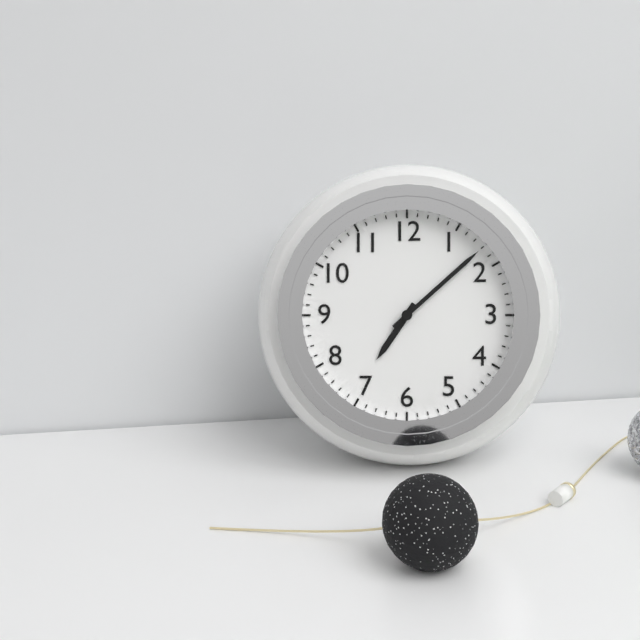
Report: 7 h 08 min
